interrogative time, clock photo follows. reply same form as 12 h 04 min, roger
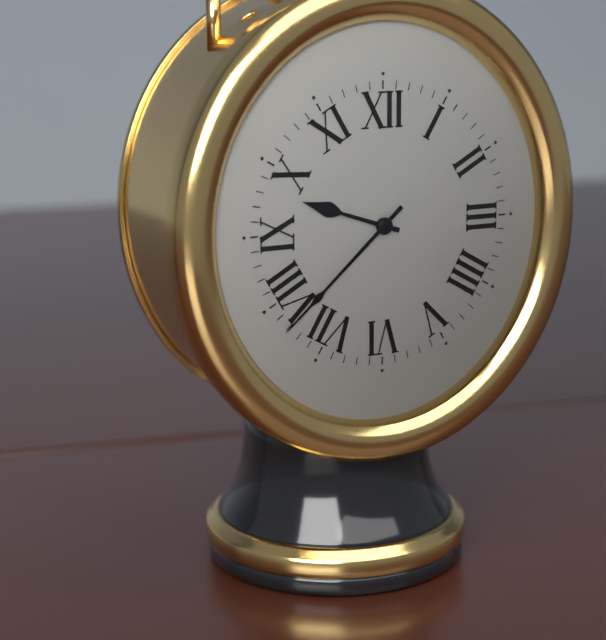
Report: 9 h 38 min
